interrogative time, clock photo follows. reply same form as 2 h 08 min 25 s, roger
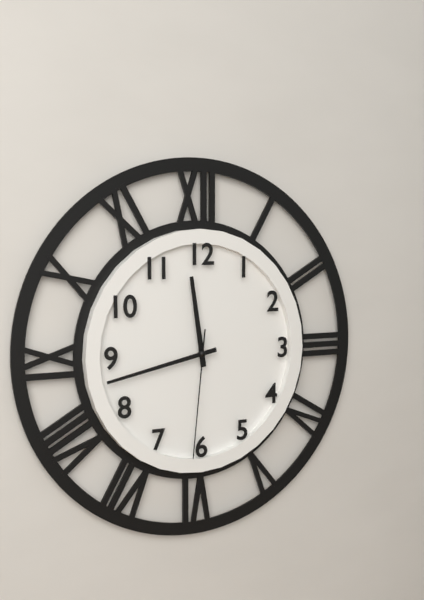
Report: 11 h 43 min 31 s
